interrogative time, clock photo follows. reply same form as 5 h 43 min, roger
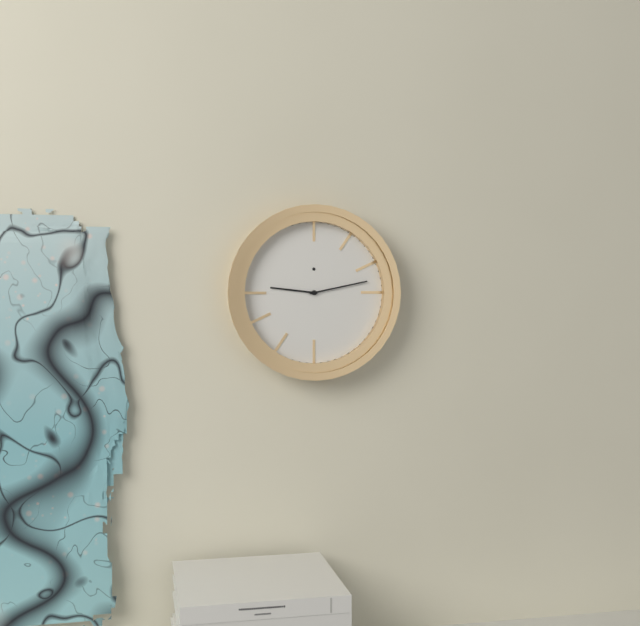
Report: 9 h 13 min
